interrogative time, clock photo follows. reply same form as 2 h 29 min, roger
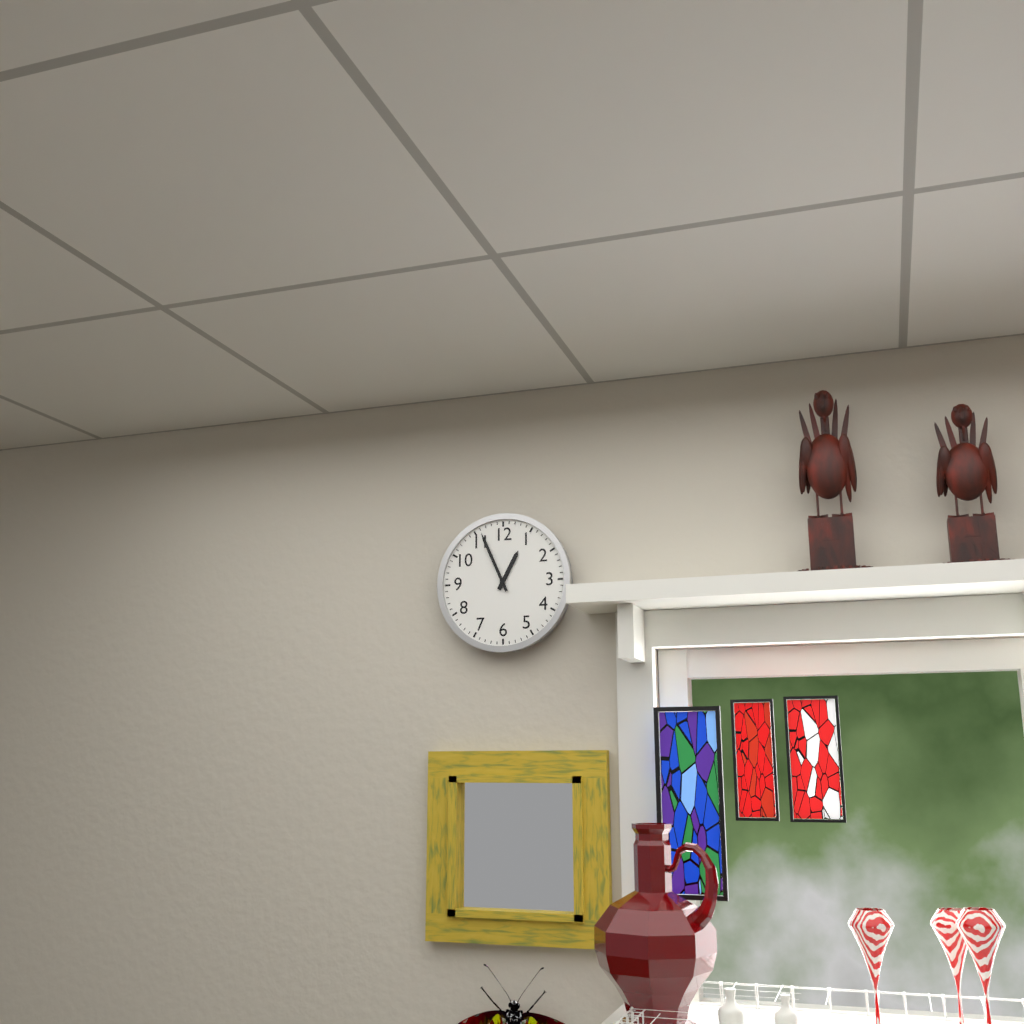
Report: 12 h 56 min
